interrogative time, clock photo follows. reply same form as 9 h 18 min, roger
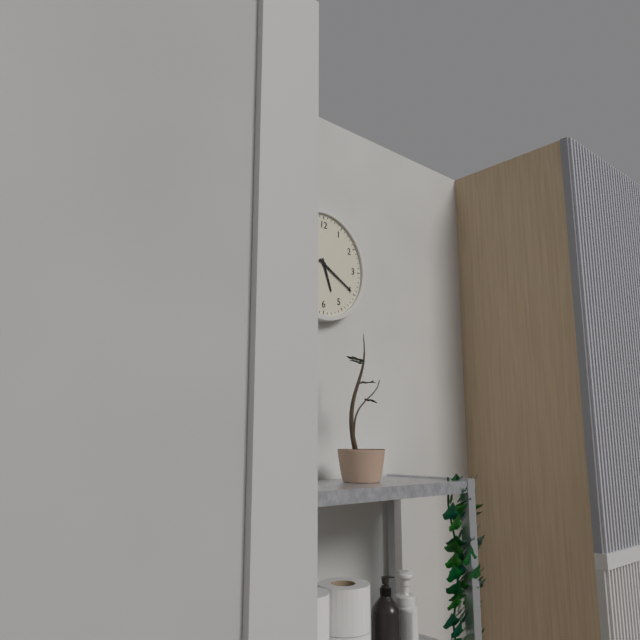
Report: 5 h 20 min
